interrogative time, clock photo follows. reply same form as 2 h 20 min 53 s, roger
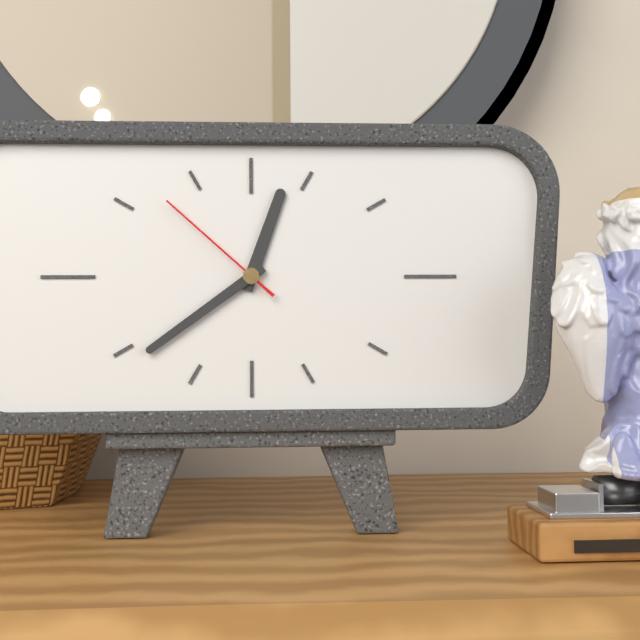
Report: 12 h 39 min 52 s
